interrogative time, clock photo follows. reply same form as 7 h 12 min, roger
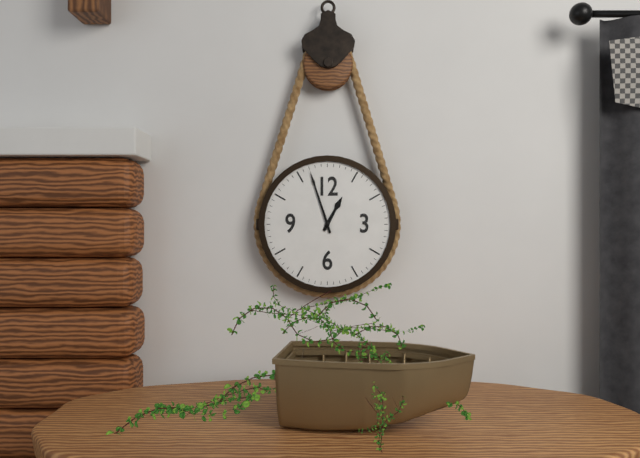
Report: 12 h 57 min
